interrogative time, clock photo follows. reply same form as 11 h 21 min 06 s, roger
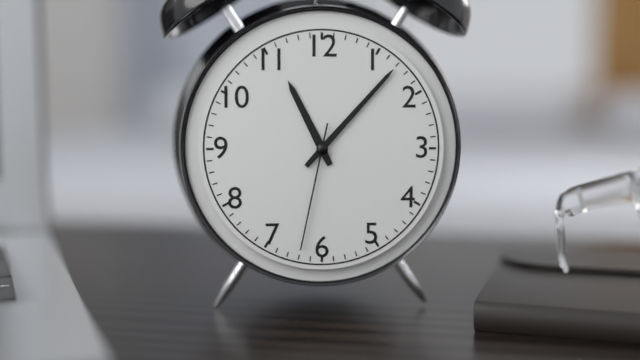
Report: 11 h 07 min 32 s
